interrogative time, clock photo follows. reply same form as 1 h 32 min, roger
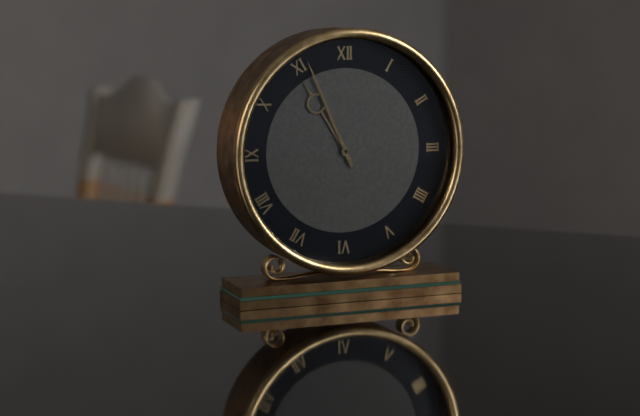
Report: 10 h 56 min
